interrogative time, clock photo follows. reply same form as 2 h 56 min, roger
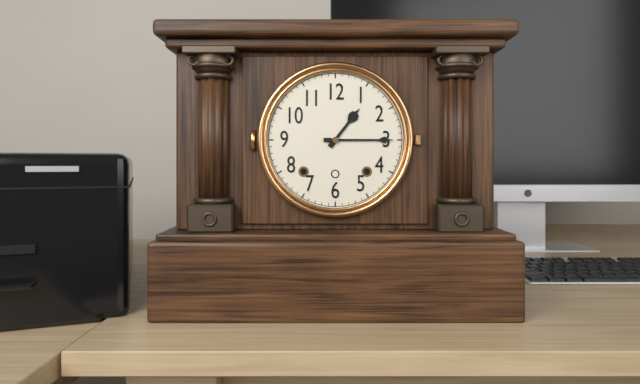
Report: 1 h 15 min
